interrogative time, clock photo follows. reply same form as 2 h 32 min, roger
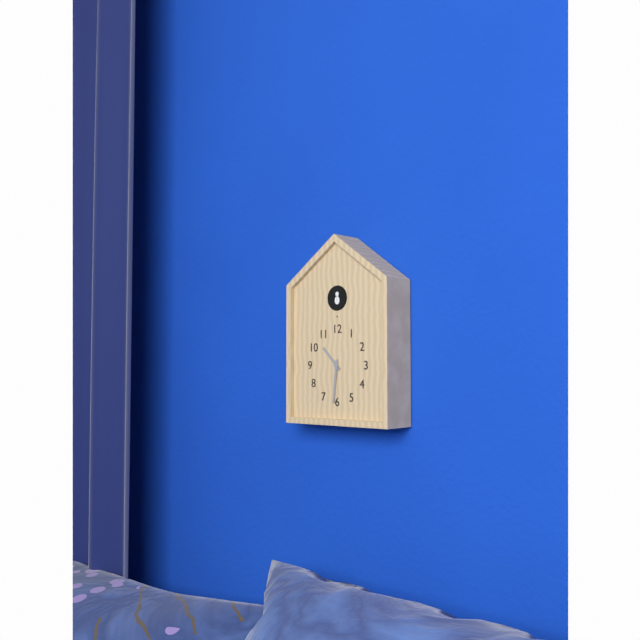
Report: 10 h 31 min
